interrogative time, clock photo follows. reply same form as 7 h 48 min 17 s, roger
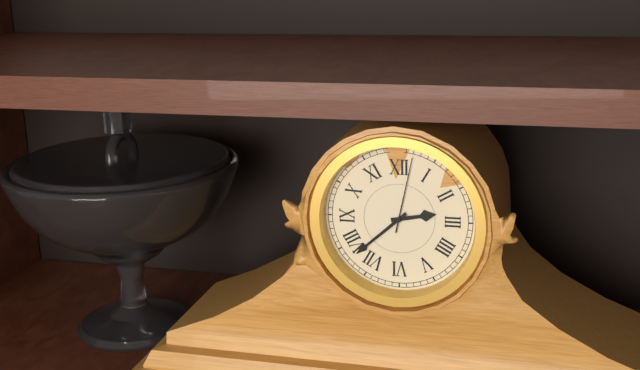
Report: 2 h 38 min 02 s
